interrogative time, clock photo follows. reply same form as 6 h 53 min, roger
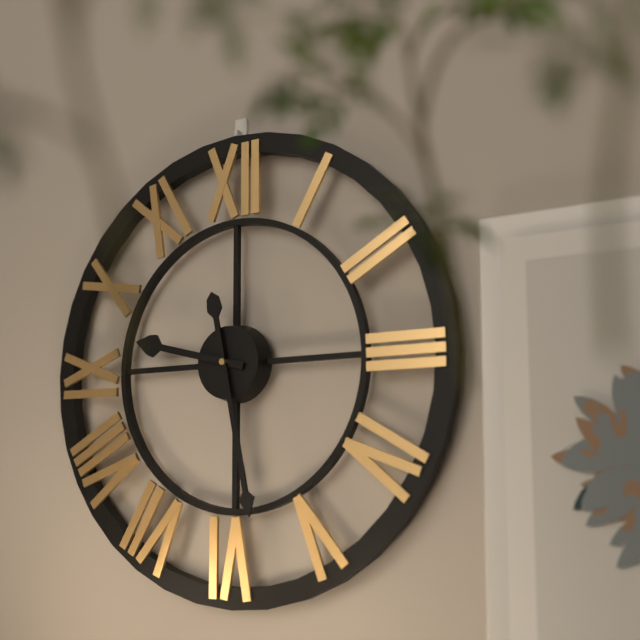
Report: 9 h 28 min
